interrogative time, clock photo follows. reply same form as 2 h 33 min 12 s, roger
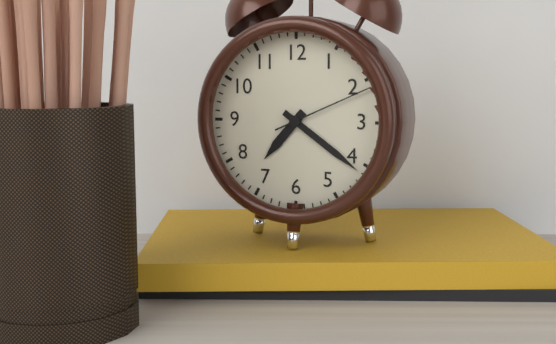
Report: 7 h 21 min 11 s
